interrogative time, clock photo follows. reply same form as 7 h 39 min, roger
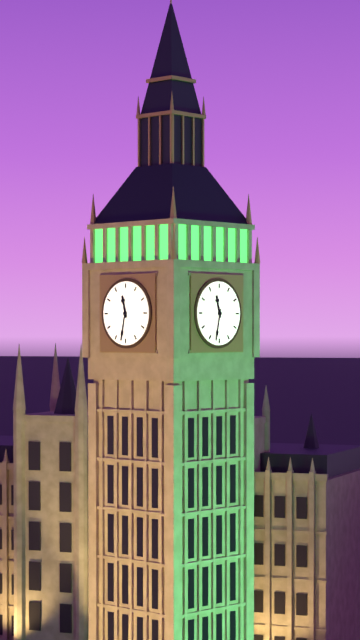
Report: 11 h 32 min
